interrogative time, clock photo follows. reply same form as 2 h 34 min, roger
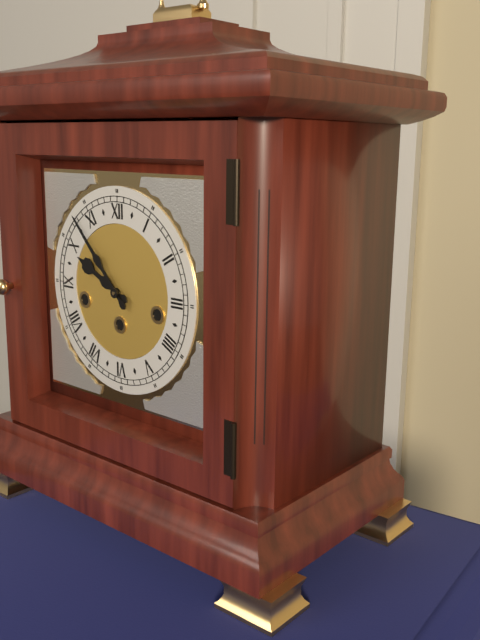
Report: 9 h 53 min
